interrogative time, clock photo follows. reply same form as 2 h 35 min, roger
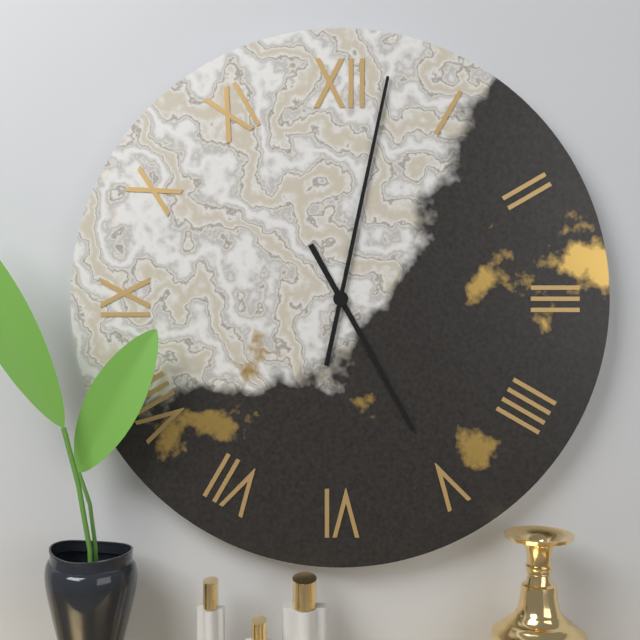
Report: 5 h 02 min
